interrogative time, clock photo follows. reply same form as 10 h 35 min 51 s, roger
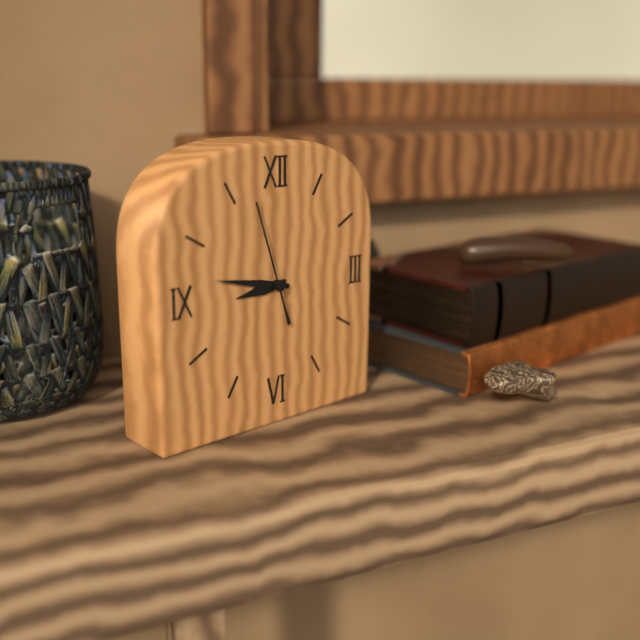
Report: 8 h 47 min 57 s
